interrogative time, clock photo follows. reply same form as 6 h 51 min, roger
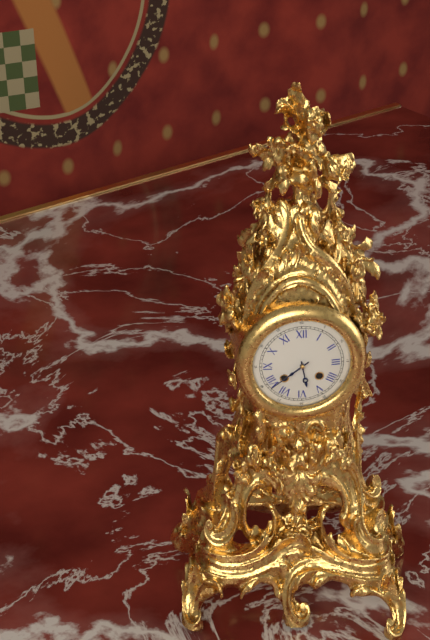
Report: 5 h 39 min
